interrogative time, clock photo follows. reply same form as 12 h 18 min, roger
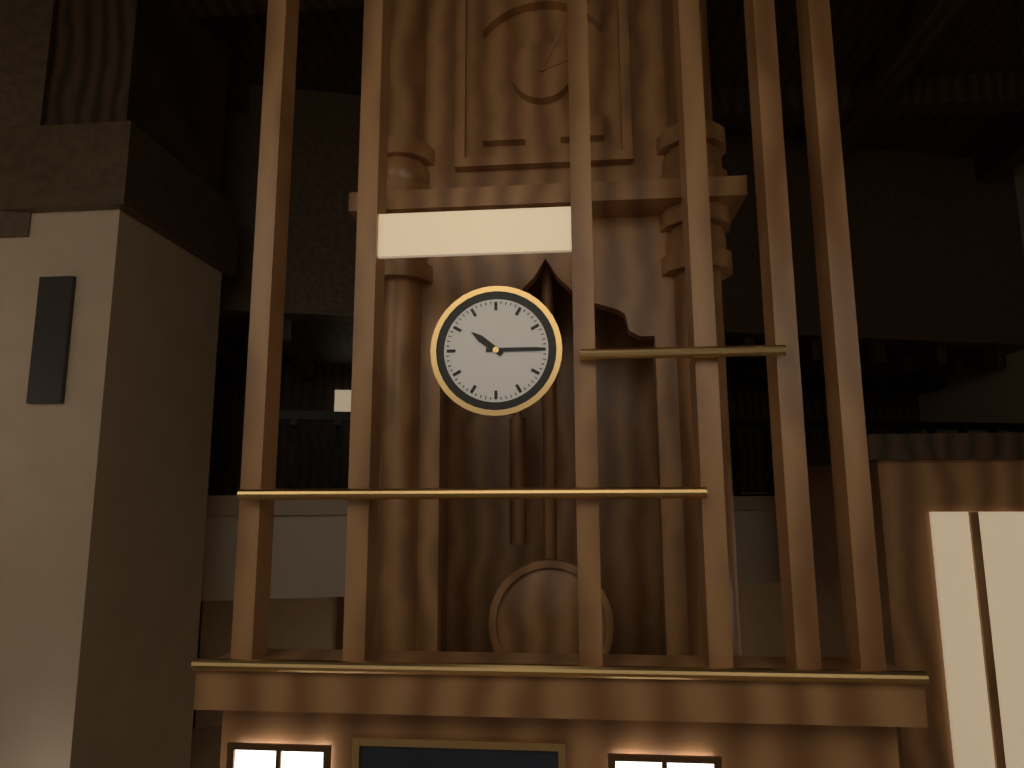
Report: 10 h 15 min
